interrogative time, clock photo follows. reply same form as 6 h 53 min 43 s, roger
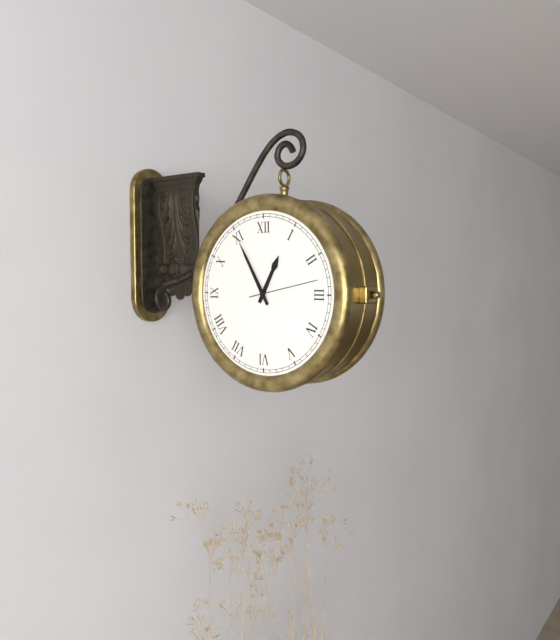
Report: 12 h 55 min 13 s
